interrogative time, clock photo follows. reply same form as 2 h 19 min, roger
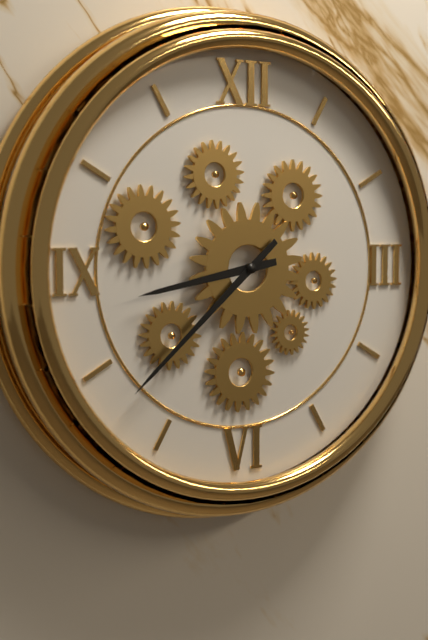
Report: 8 h 38 min
